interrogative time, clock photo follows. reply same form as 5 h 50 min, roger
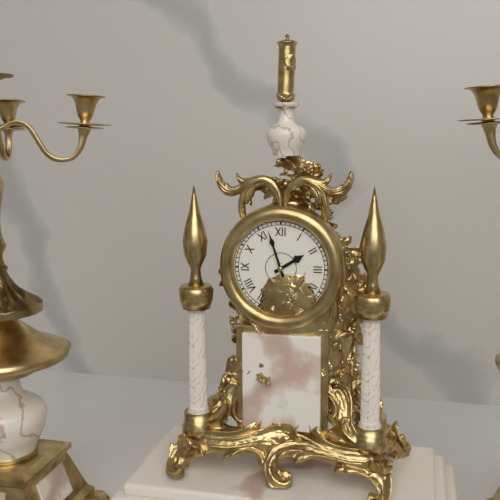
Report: 1 h 57 min
